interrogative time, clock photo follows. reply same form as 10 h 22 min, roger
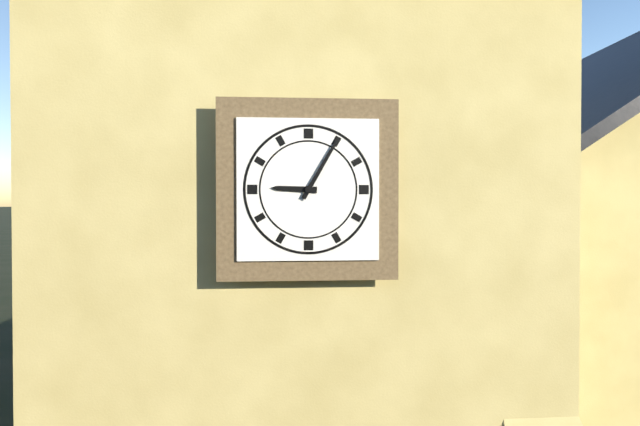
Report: 9 h 05 min
